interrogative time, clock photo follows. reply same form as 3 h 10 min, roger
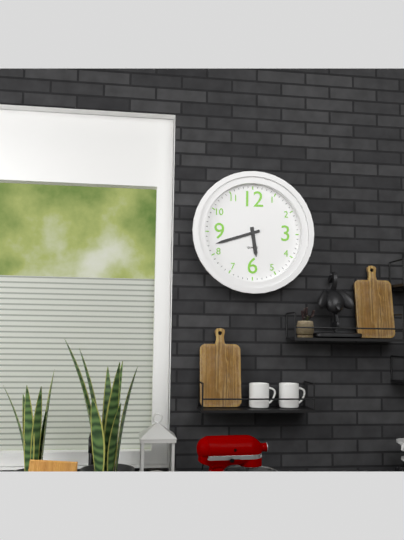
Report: 5 h 42 min
